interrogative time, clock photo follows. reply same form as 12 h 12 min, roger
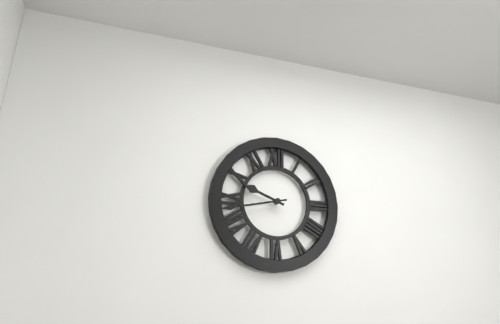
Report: 9 h 43 min
